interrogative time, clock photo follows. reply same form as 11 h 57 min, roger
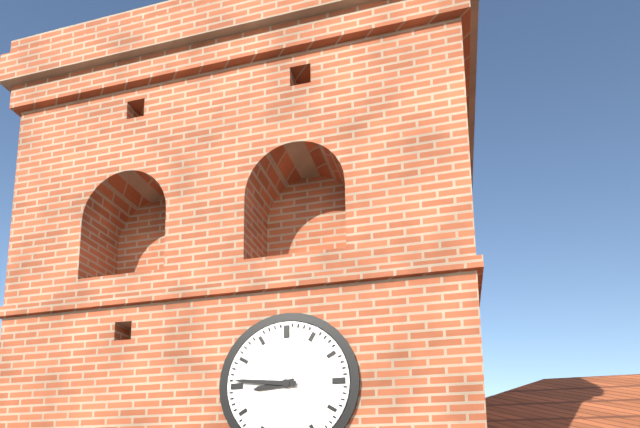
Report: 8 h 46 min
